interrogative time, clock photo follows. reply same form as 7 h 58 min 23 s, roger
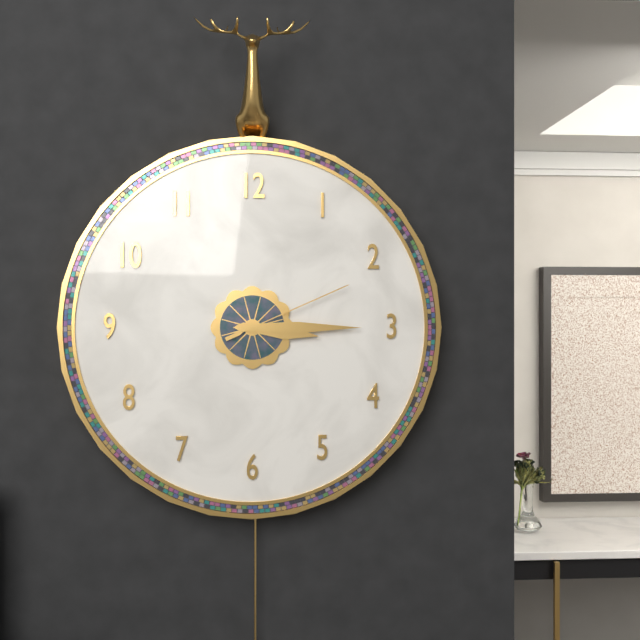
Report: 3 h 15 min 11 s
